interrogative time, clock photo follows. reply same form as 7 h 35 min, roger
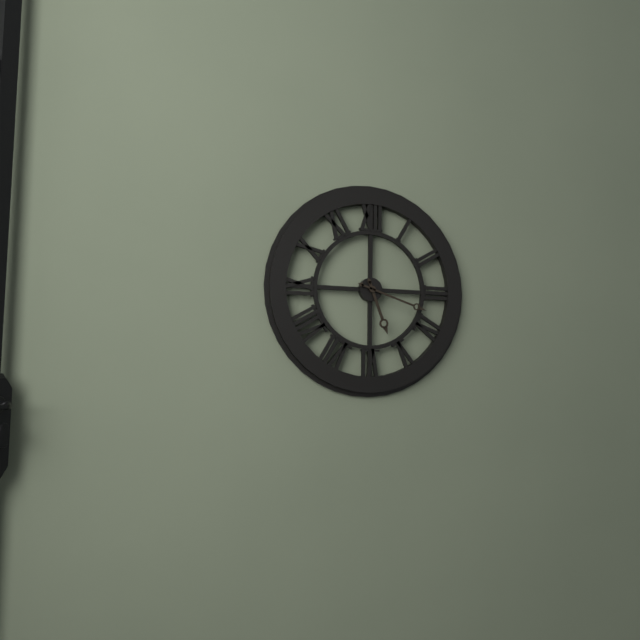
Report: 5 h 18 min
